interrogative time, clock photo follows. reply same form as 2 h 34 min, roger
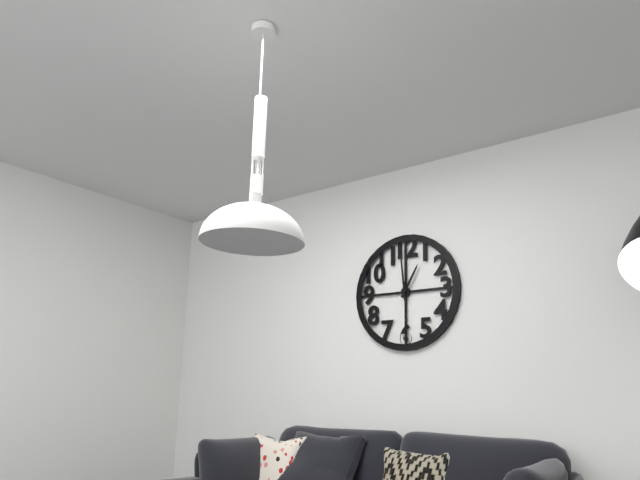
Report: 12 h 59 min
